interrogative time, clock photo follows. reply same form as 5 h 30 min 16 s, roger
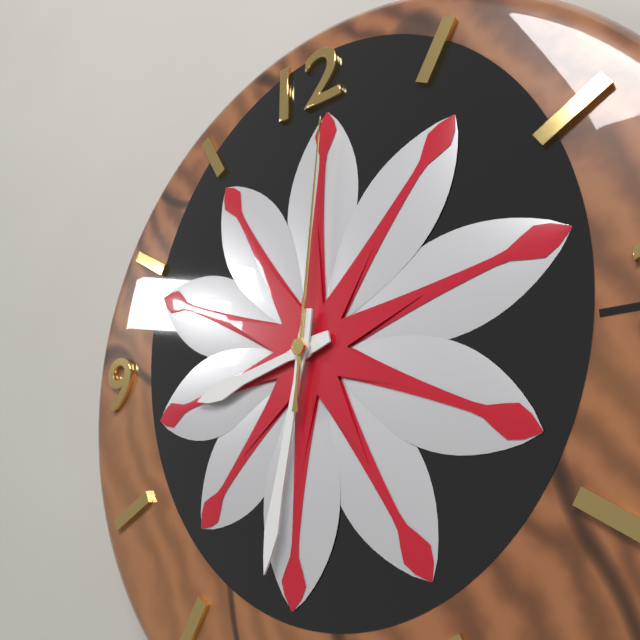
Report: 8 h 32 min 01 s
